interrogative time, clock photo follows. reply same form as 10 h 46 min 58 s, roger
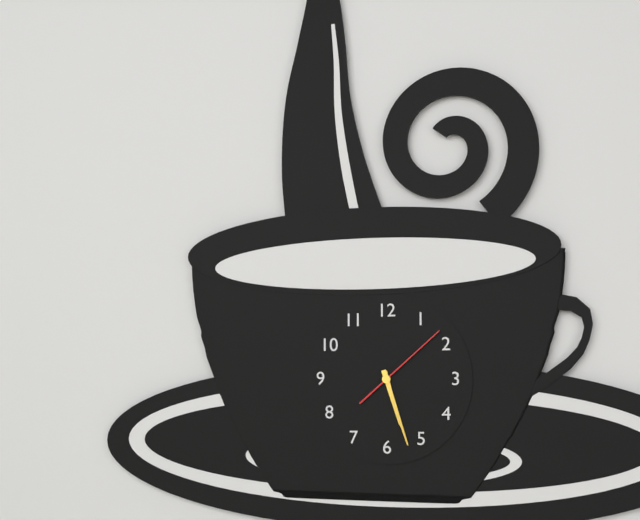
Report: 5 h 27 min 08 s
